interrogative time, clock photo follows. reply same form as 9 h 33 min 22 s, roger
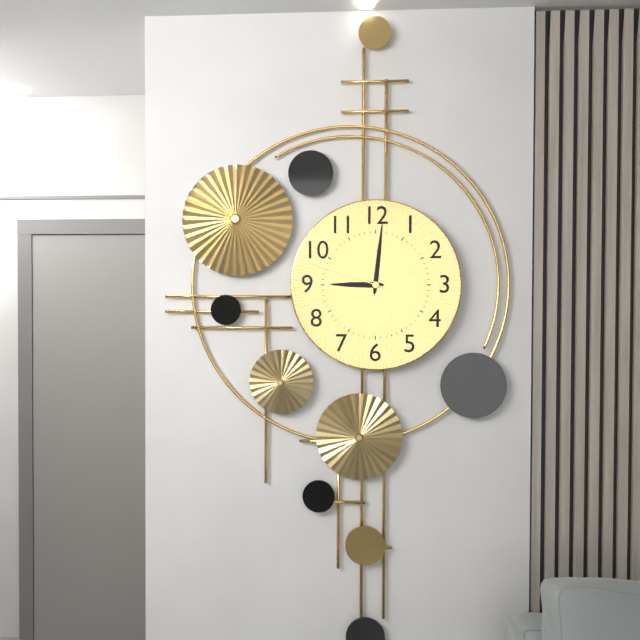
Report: 9 h 01 min 48 s
